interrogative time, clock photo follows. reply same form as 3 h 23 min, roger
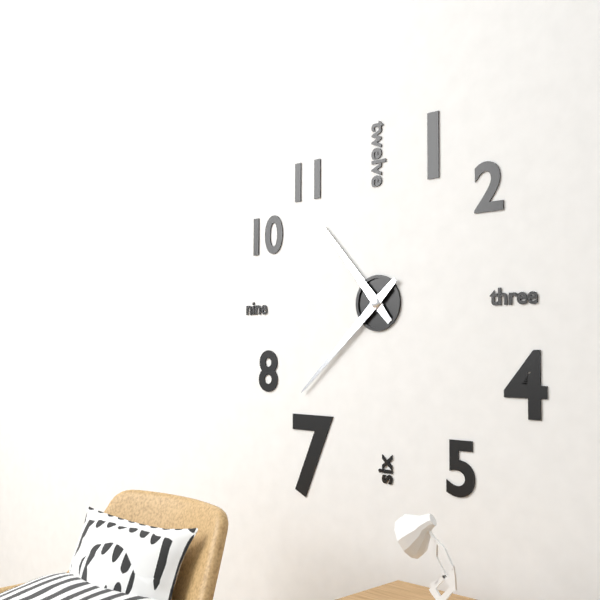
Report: 10 h 38 min
